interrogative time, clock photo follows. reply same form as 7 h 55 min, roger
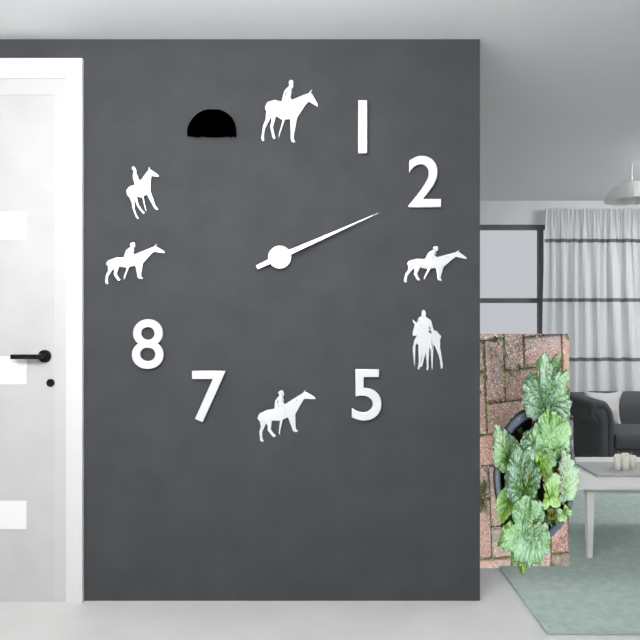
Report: 2 h 11 min
